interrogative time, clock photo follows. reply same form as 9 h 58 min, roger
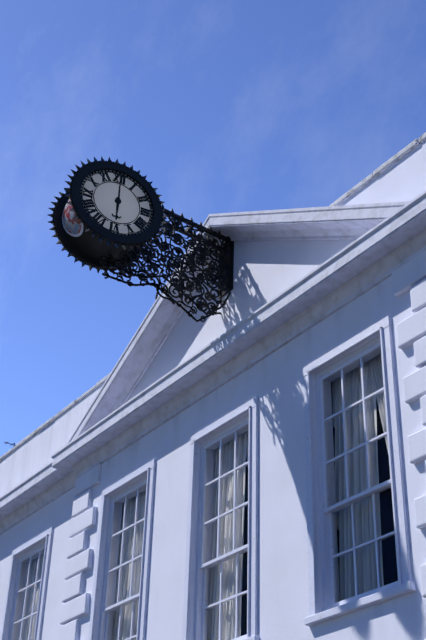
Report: 6 h 00 min
